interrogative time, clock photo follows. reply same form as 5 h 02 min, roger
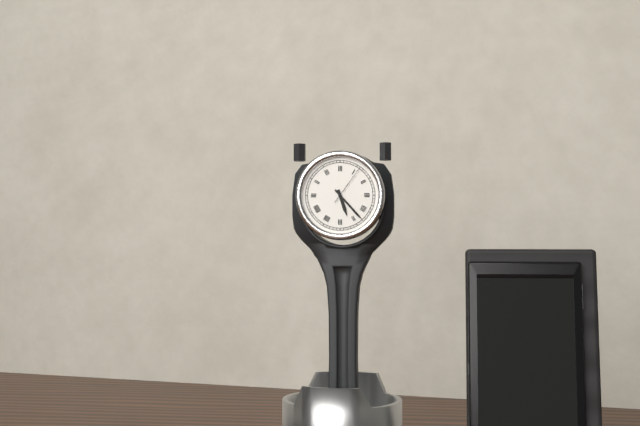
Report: 5 h 23 min
